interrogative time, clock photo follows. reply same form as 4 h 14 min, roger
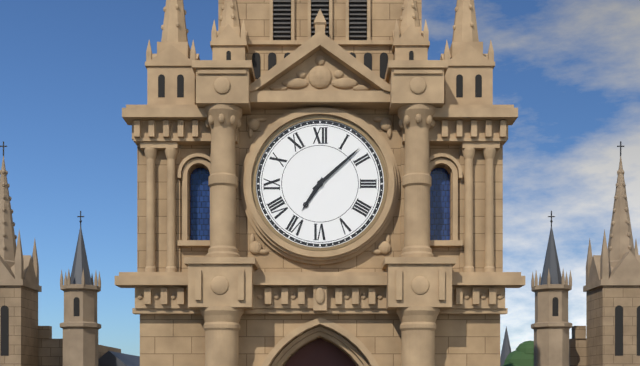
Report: 7 h 08 min
